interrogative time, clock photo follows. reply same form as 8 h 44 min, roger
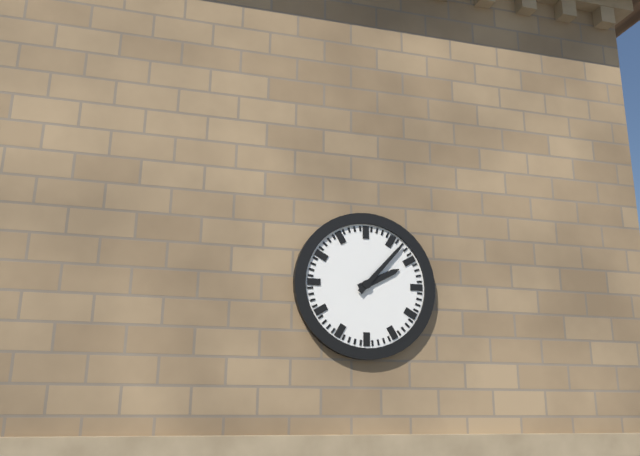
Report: 2 h 07 min
